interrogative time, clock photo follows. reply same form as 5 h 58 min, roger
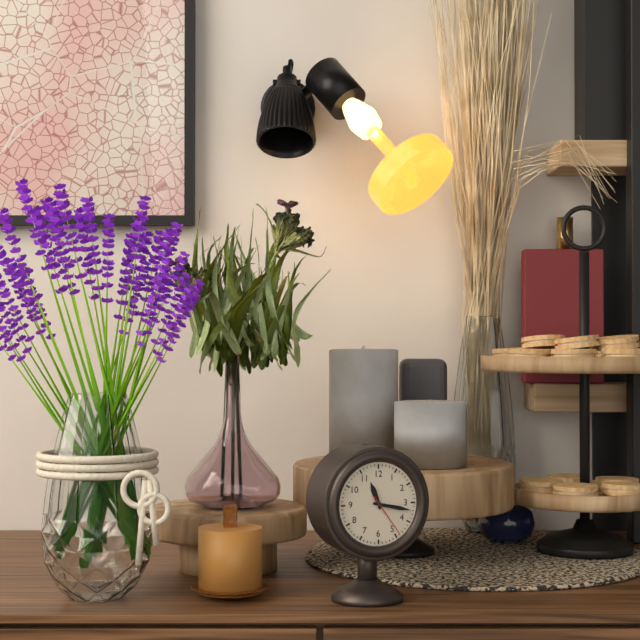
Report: 11 h 17 min
